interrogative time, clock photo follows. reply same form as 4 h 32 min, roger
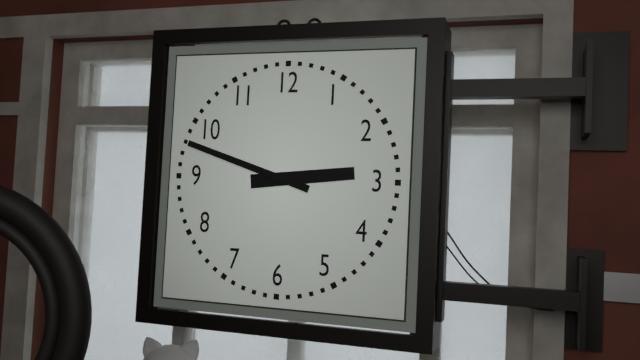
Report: 2 h 48 min
